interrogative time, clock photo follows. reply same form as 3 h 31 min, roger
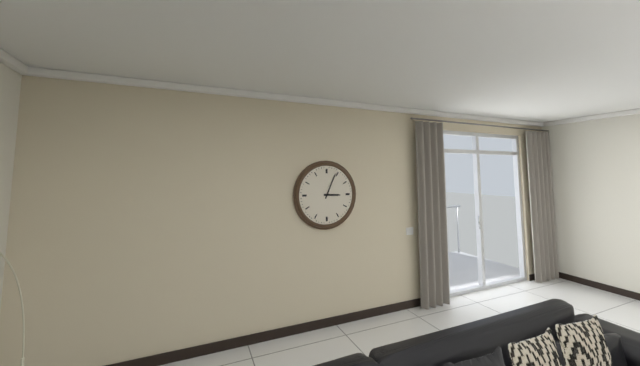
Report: 3 h 04 min
